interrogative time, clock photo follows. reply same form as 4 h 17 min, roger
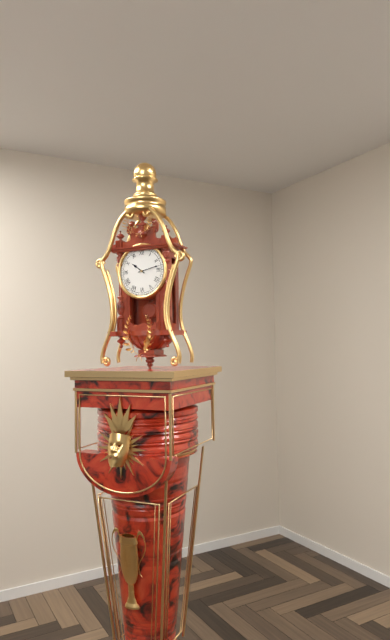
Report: 10 h 13 min
